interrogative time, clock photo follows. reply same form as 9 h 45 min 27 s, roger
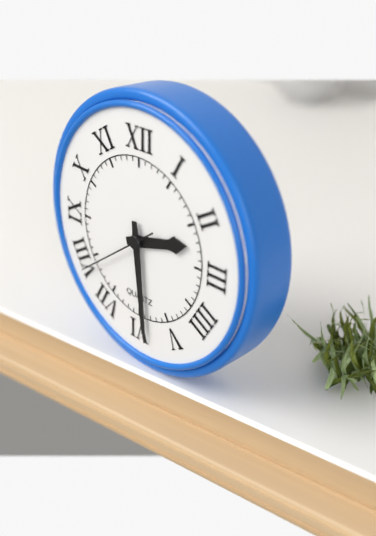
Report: 2 h 29 min 39 s
